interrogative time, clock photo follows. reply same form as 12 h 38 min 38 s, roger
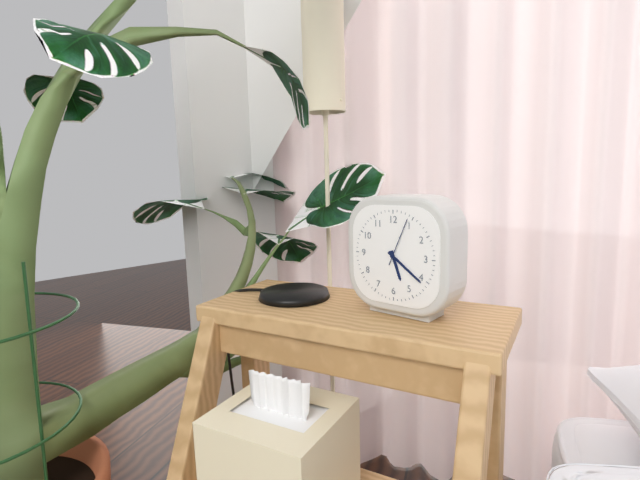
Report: 5 h 21 min 04 s
